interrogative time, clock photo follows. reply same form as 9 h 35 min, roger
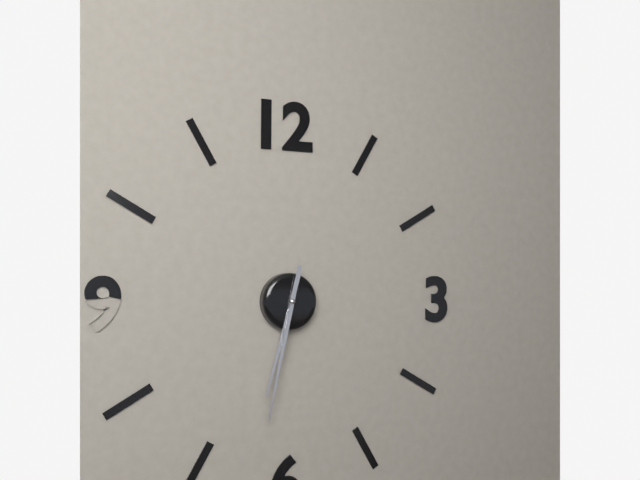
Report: 6 h 32 min
